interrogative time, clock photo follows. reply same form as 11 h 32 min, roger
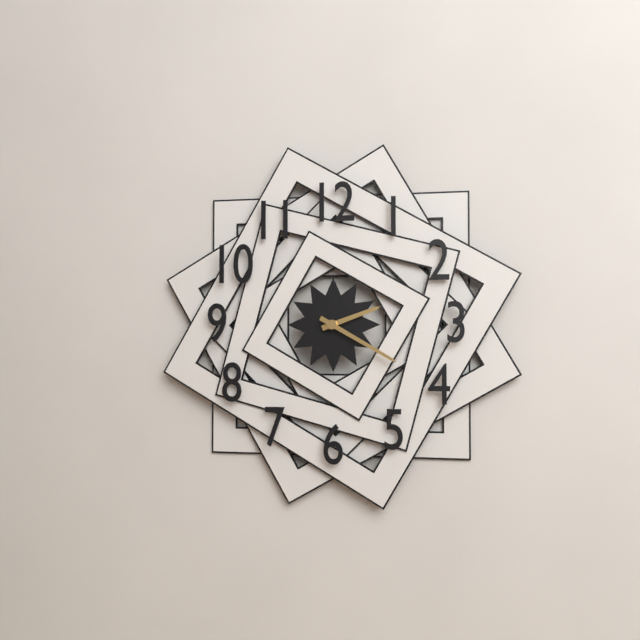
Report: 2 h 20 min
